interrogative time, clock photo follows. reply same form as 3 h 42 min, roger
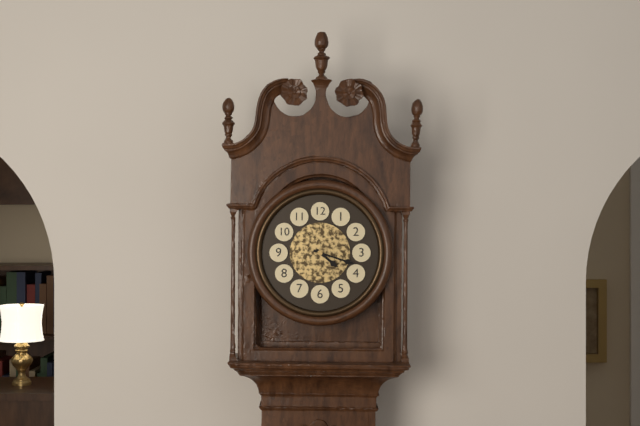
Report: 4 h 18 min
